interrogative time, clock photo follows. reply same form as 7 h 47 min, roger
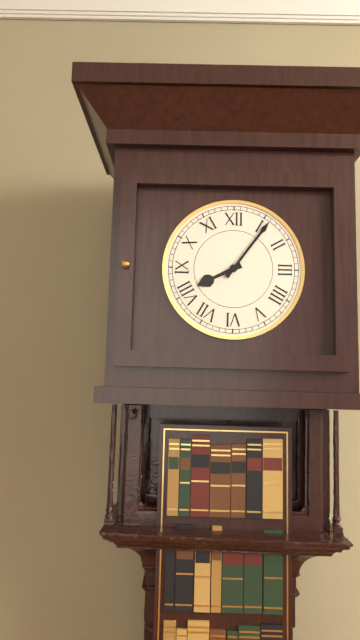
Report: 8 h 06 min
